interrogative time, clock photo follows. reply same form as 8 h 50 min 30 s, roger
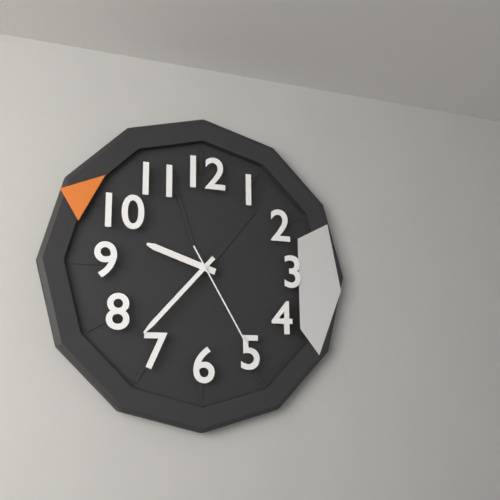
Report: 9 h 37 min 25 s
